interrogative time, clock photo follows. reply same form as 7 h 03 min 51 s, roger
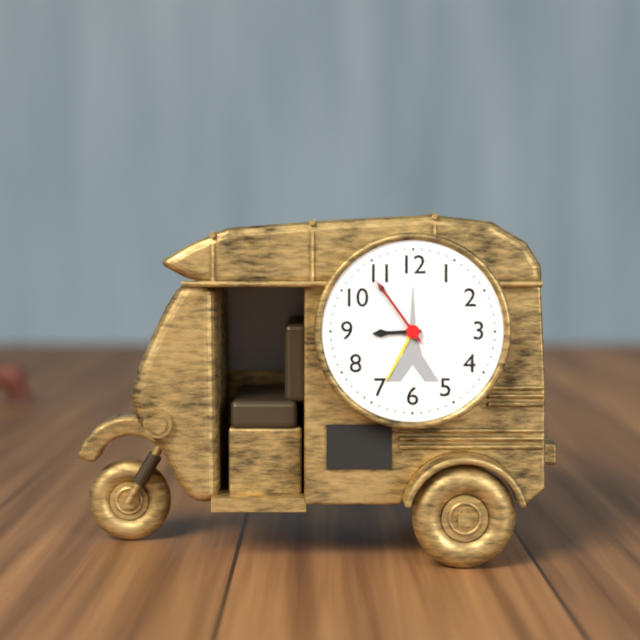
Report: 8 h 54 min 54 s
